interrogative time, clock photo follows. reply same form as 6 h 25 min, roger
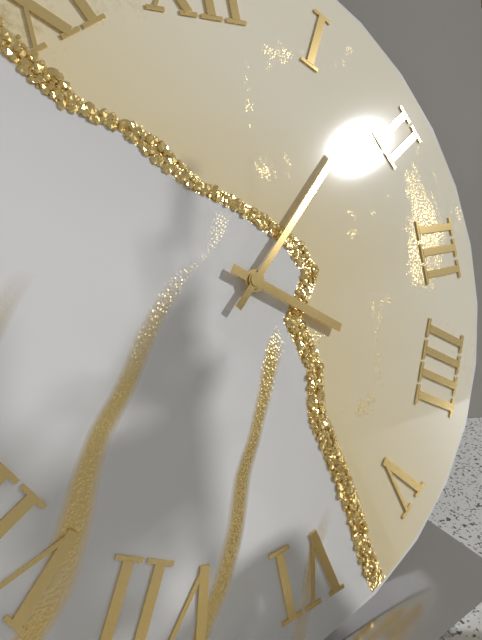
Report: 4 h 08 min
